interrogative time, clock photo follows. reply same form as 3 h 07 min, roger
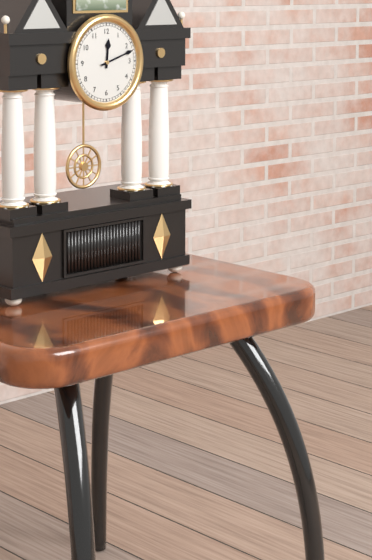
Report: 12 h 12 min
